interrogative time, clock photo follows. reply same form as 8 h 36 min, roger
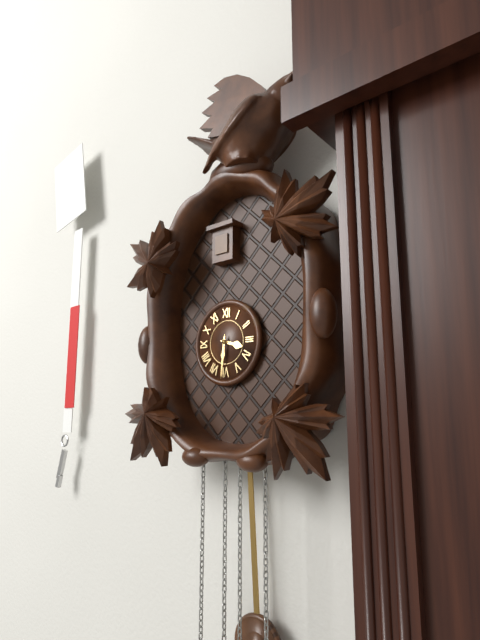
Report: 3 h 31 min
